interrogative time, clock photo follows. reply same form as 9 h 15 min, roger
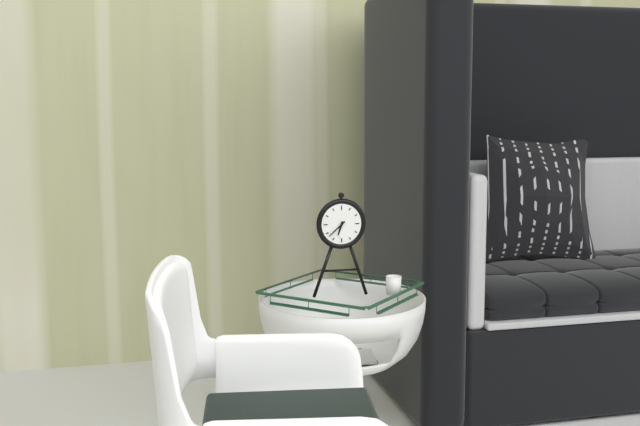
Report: 6 h 38 min
